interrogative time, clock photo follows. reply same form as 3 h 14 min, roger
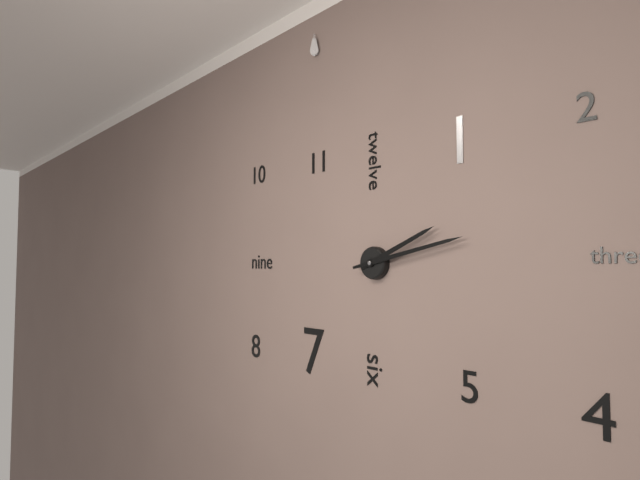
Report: 2 h 13 min
